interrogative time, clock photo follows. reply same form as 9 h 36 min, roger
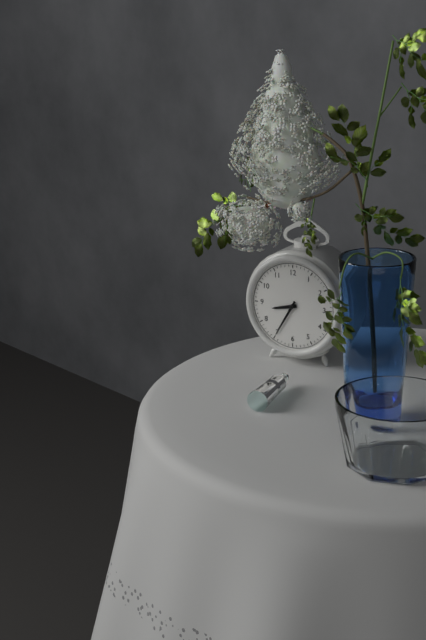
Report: 8 h 35 min
